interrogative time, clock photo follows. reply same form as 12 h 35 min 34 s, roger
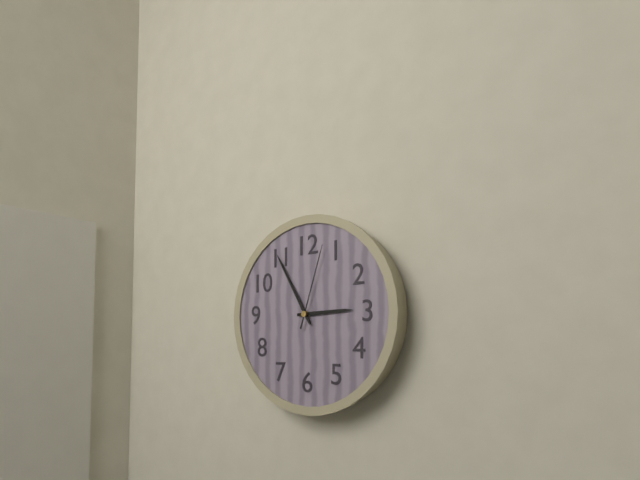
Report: 2 h 55 min 03 s
